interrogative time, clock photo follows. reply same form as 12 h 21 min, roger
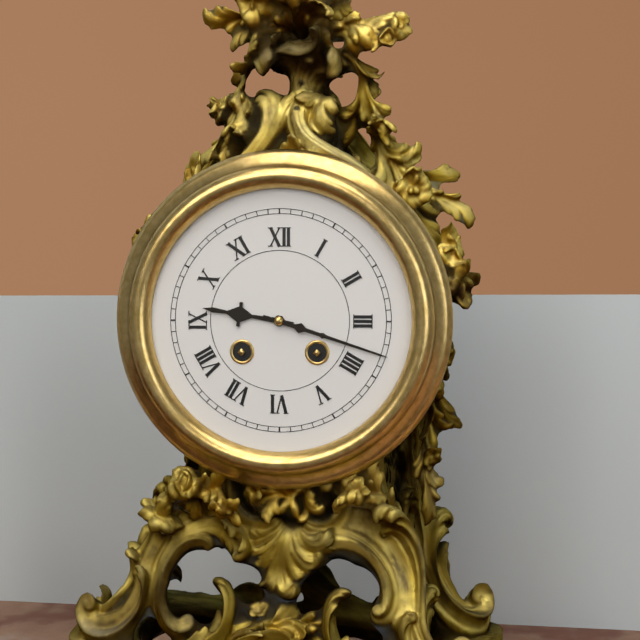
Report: 9 h 18 min
